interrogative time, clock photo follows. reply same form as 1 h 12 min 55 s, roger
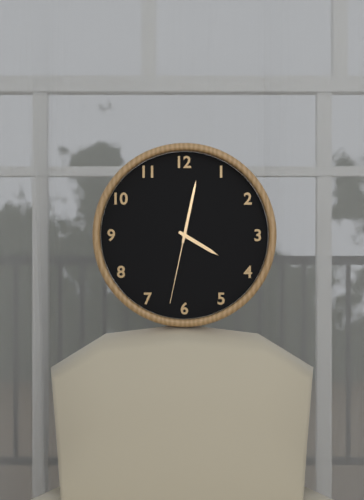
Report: 4 h 02 min 32 s
